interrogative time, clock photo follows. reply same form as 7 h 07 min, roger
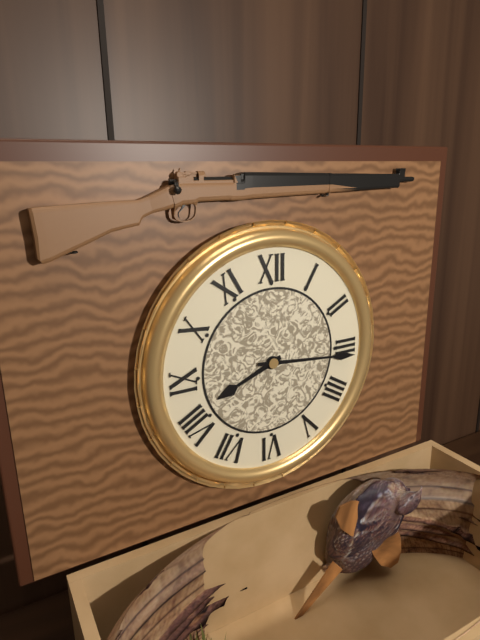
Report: 8 h 16 min
